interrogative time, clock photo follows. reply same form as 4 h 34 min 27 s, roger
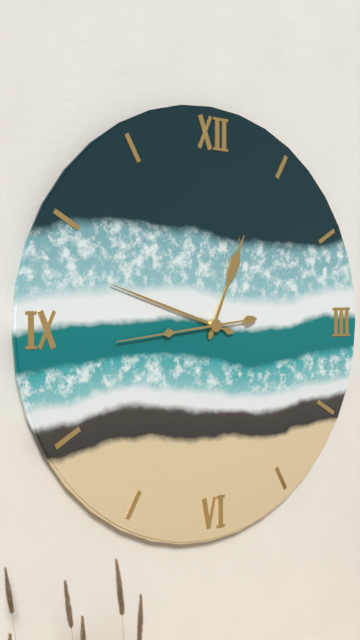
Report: 12 h 48 min 44 s
